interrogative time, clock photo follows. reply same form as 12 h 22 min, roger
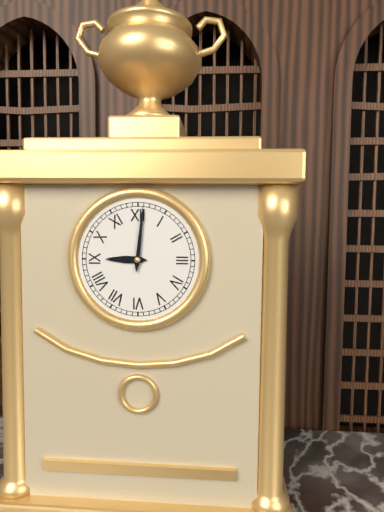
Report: 9 h 01 min
